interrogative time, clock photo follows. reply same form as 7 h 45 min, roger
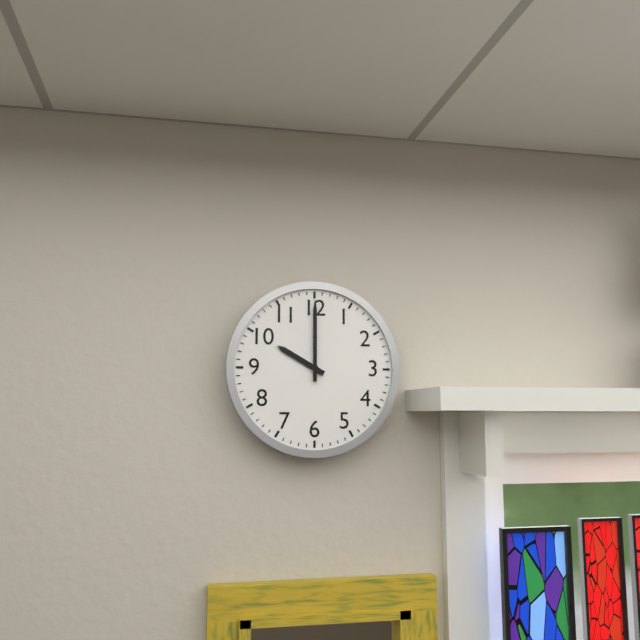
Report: 10 h 00 min
